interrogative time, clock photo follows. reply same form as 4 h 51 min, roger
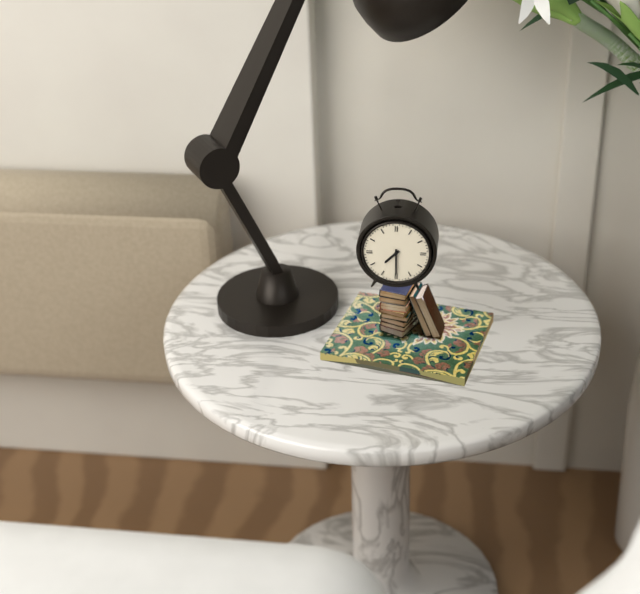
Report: 7 h 30 min
